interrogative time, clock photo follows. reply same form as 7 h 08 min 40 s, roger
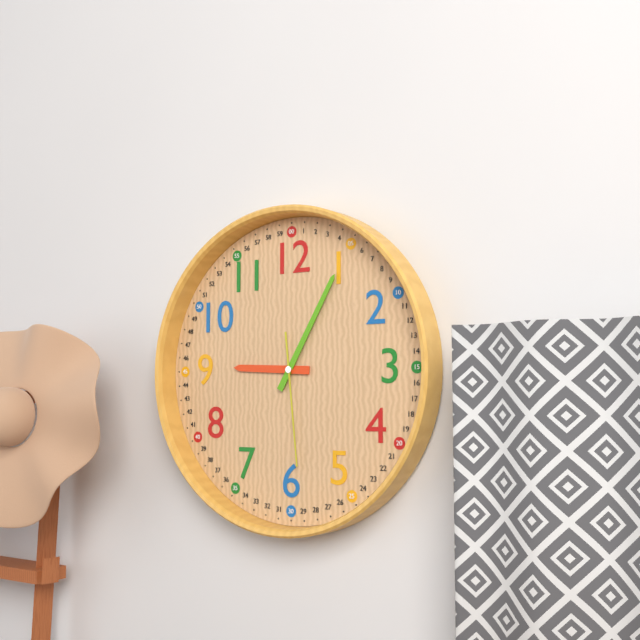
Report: 9 h 05 min 29 s
